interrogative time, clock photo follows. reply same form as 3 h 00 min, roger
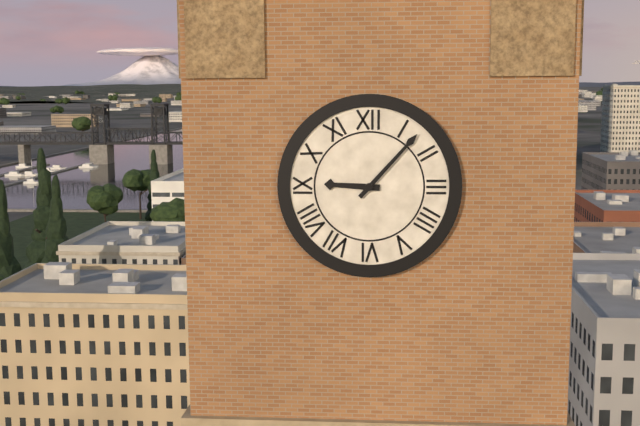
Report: 9 h 07 min
